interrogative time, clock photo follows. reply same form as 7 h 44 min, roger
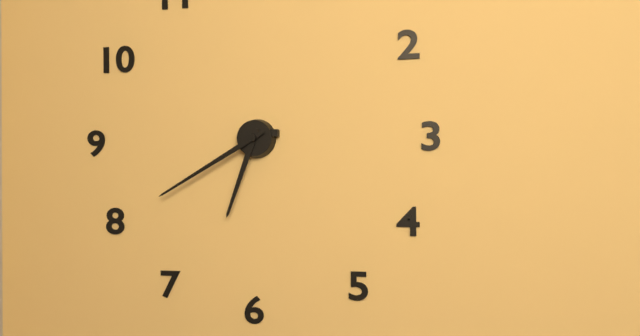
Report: 6 h 40 min
